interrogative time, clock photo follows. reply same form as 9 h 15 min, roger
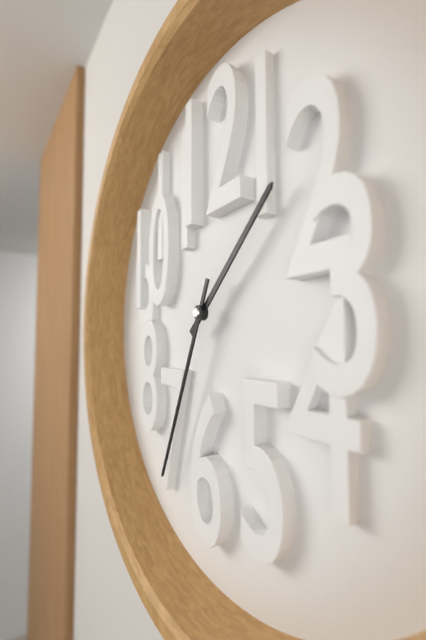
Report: 1 h 34 min
